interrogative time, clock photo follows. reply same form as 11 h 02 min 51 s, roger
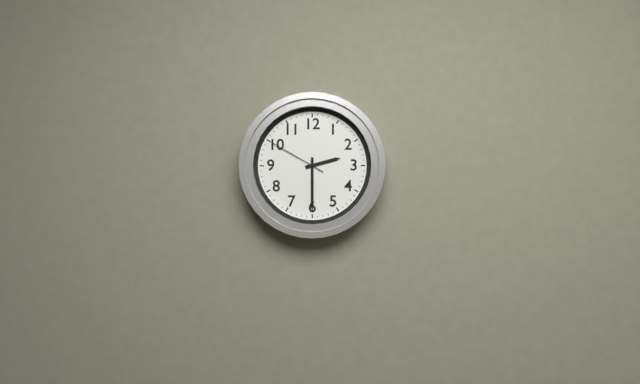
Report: 2 h 30 min 50 s
